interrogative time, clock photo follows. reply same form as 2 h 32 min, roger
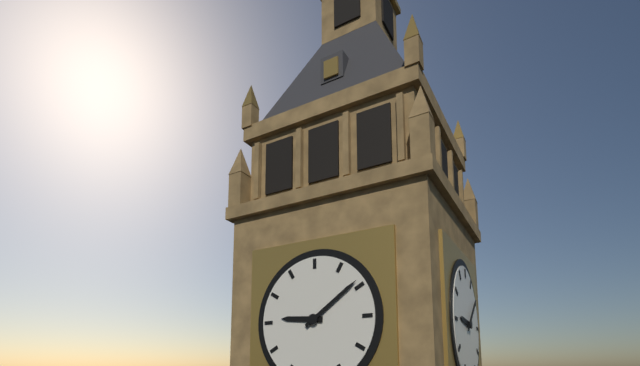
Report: 9 h 09 min
